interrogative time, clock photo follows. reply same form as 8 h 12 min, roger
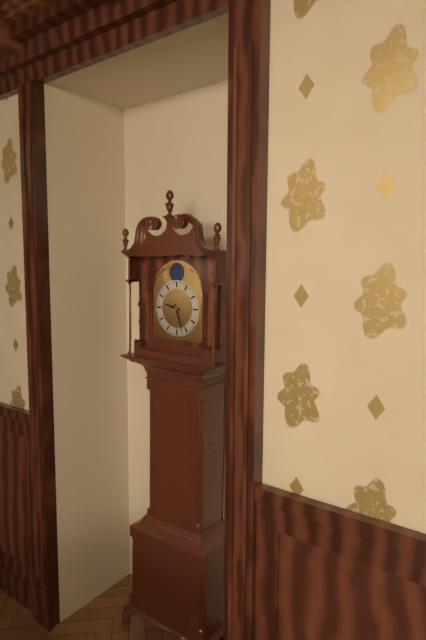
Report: 9 h 27 min
